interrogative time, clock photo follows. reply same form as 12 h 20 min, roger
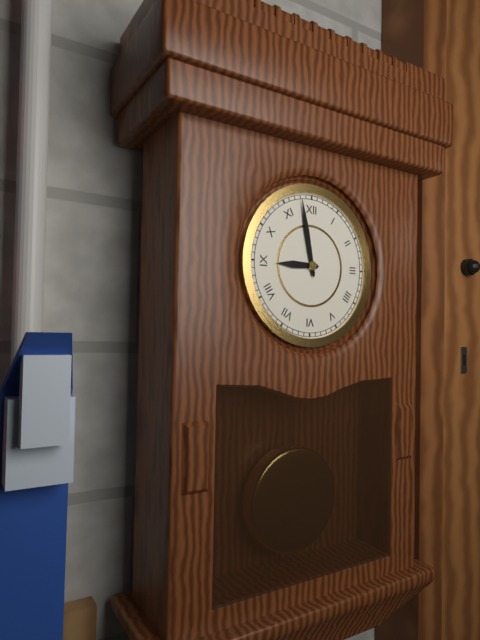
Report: 8 h 58 min
